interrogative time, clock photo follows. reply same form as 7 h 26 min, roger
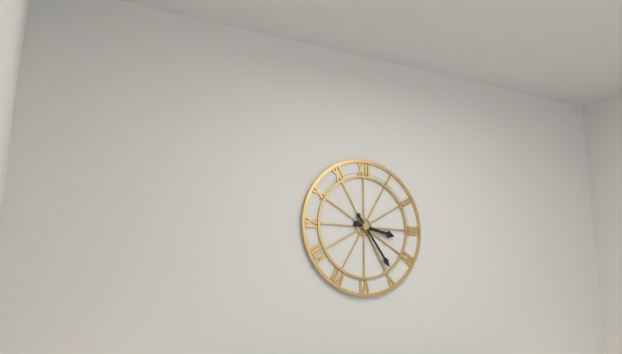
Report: 3 h 24 min
